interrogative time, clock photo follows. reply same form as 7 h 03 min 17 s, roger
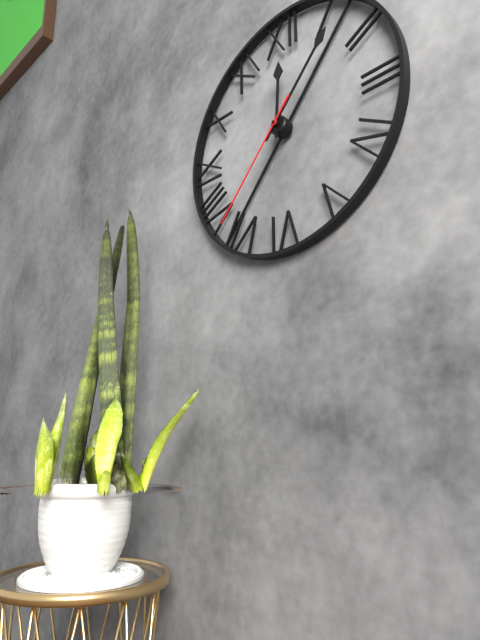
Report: 12 h 07 min 37 s
